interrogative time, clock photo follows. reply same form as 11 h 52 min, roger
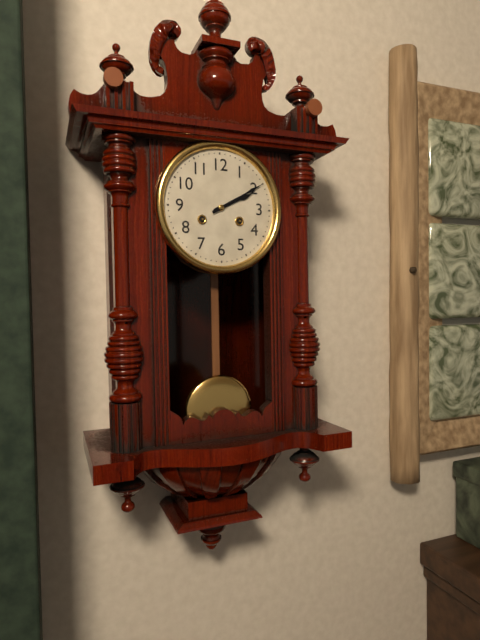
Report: 2 h 10 min
